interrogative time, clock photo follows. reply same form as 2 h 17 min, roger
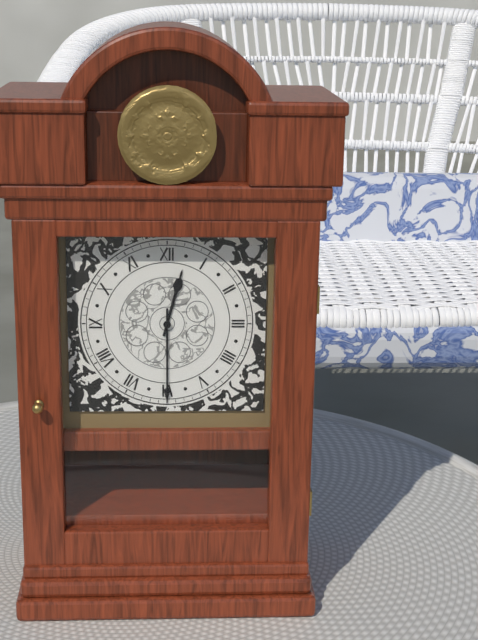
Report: 12 h 30 min
